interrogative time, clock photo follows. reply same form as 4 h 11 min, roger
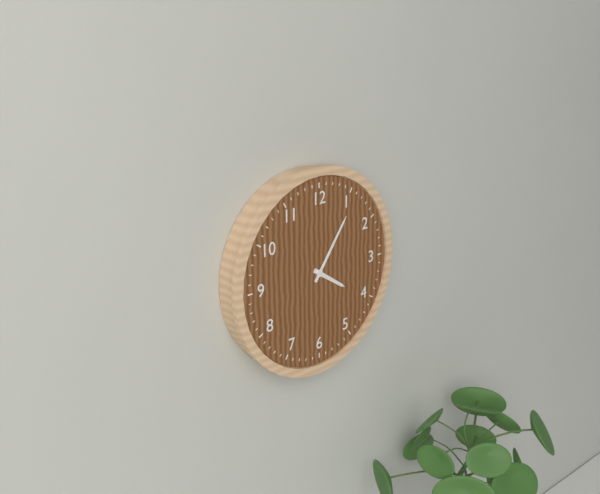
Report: 4 h 06 min
